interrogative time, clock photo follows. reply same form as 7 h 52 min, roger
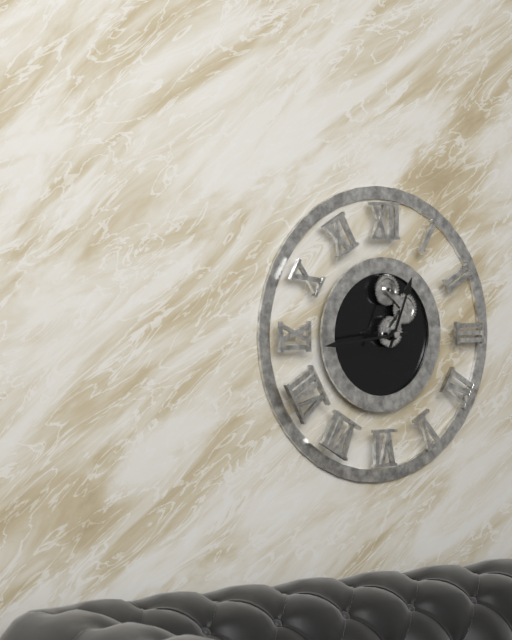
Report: 12 h 44 min
